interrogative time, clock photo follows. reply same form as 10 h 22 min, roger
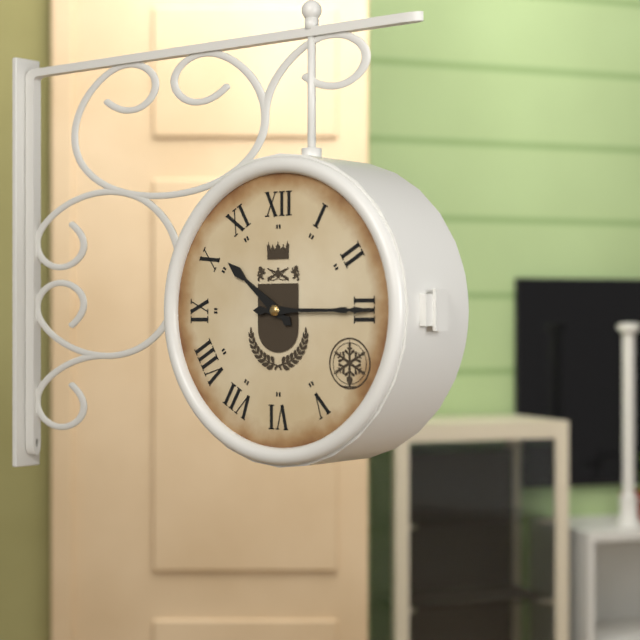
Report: 10 h 15 min
